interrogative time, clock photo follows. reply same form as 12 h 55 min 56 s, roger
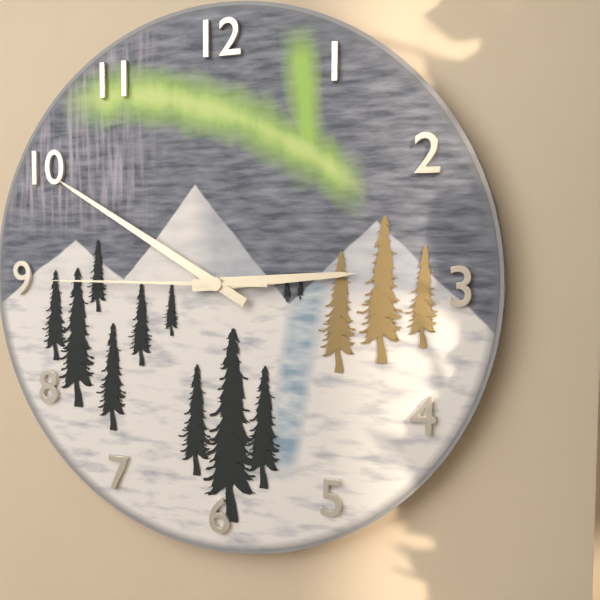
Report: 2 h 50 min 45 s
